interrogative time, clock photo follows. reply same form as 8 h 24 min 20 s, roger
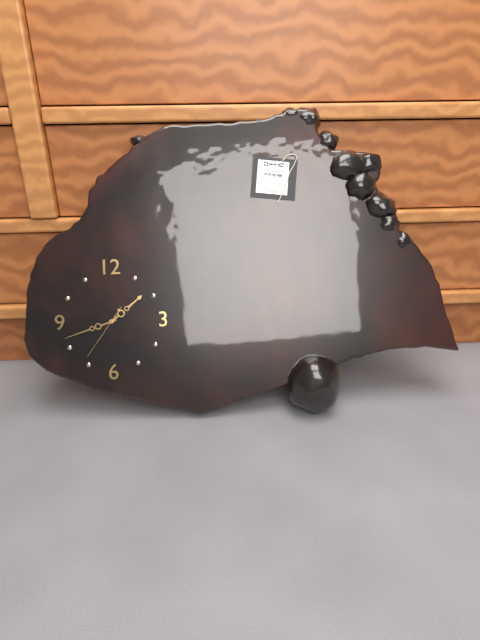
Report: 1 h 42 min 36 s
